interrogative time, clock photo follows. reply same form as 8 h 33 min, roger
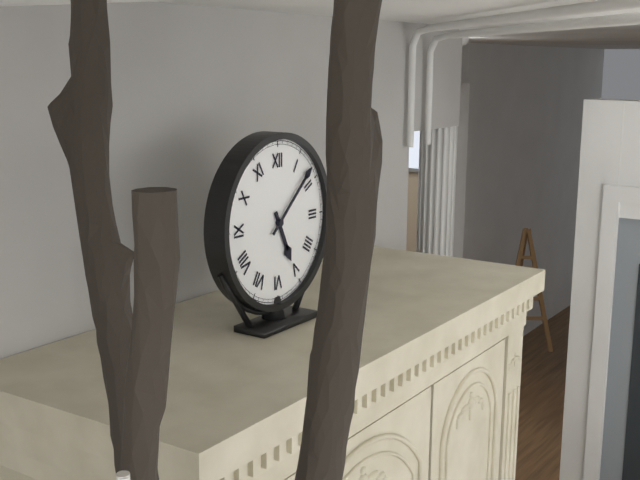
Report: 5 h 08 min
